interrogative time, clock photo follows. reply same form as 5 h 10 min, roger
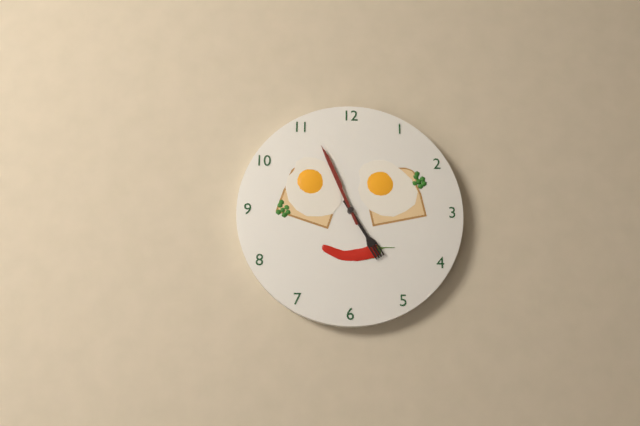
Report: 4 h 56 min
